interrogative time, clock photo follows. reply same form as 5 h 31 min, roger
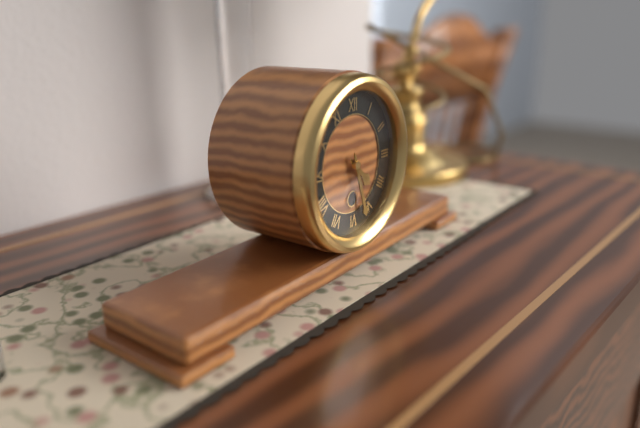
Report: 4 h 27 min
